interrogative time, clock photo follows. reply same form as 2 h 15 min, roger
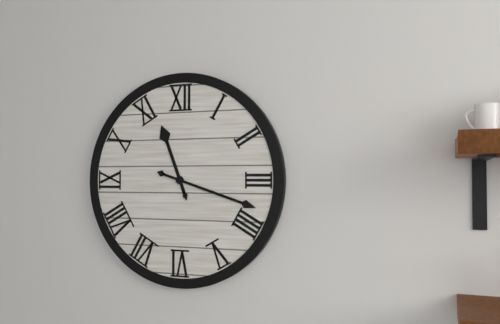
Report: 11 h 18 min
